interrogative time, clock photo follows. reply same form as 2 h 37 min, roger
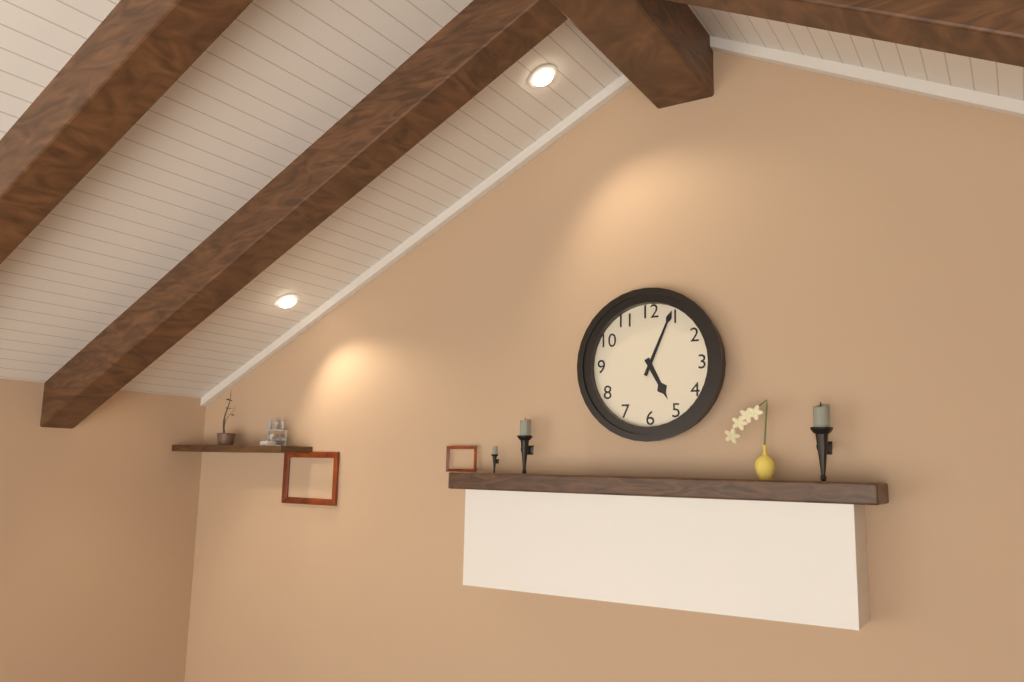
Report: 5 h 04 min
